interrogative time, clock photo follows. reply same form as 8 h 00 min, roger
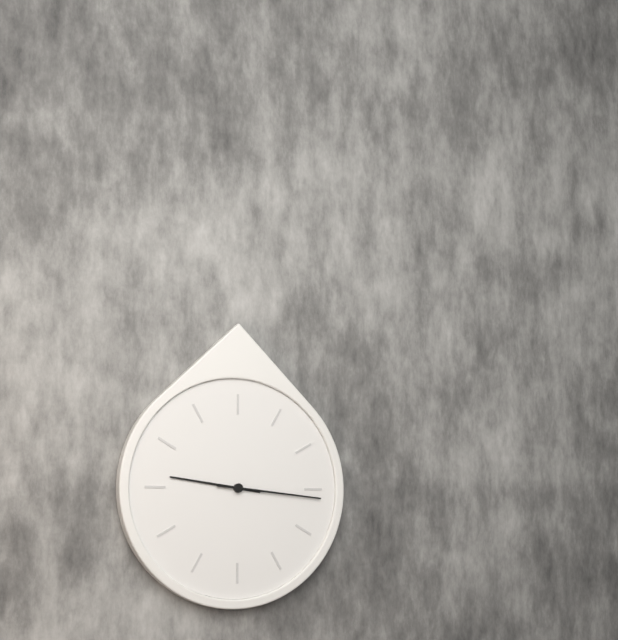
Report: 9 h 16 min
